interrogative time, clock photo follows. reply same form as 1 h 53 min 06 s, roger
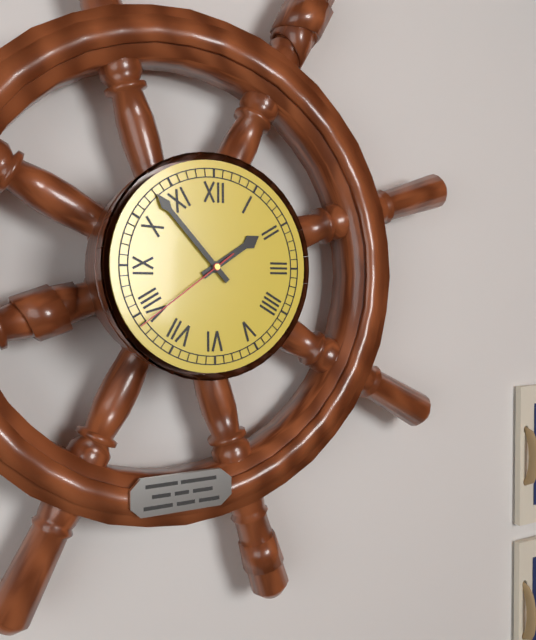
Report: 1 h 53 min 39 s
